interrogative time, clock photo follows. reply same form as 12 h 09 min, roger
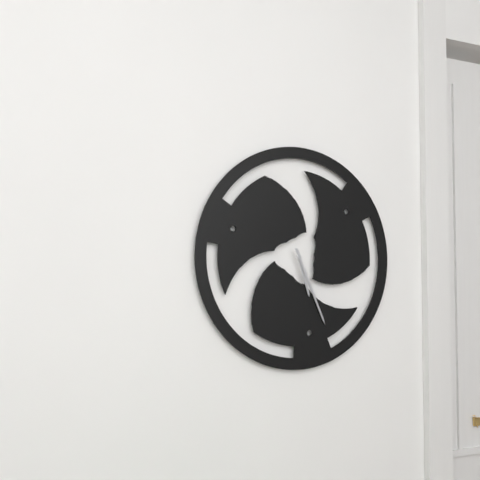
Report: 5 h 26 min
